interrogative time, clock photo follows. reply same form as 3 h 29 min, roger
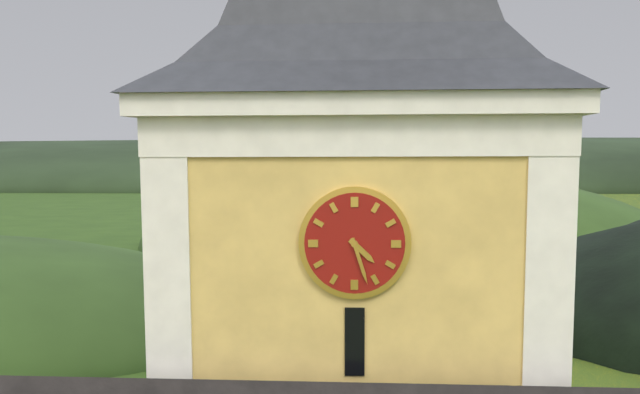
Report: 4 h 27 min
